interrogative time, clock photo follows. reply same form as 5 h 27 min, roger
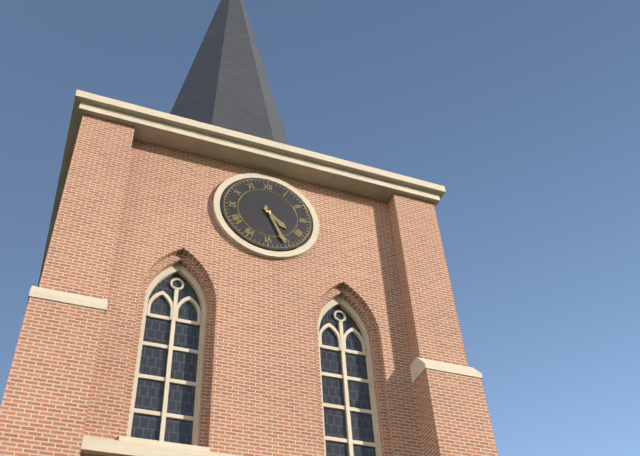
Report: 4 h 26 min
